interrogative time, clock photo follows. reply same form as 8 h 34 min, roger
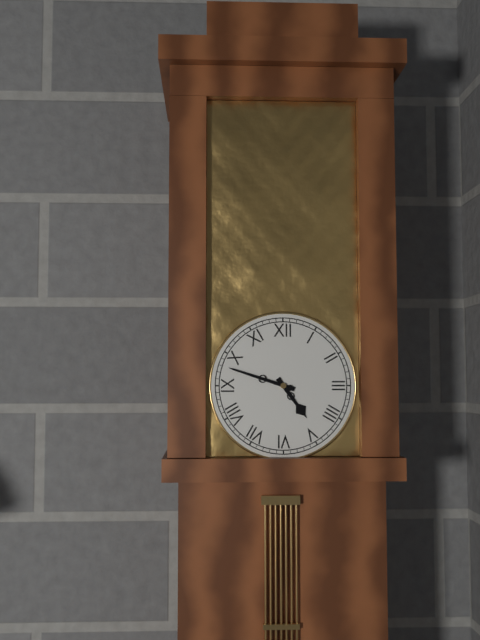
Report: 4 h 48 min
